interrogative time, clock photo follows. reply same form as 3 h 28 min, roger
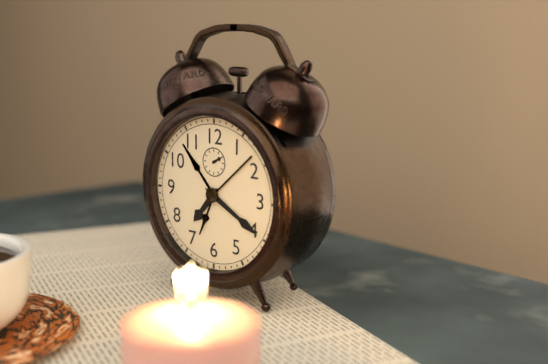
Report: 7 h 20 min
